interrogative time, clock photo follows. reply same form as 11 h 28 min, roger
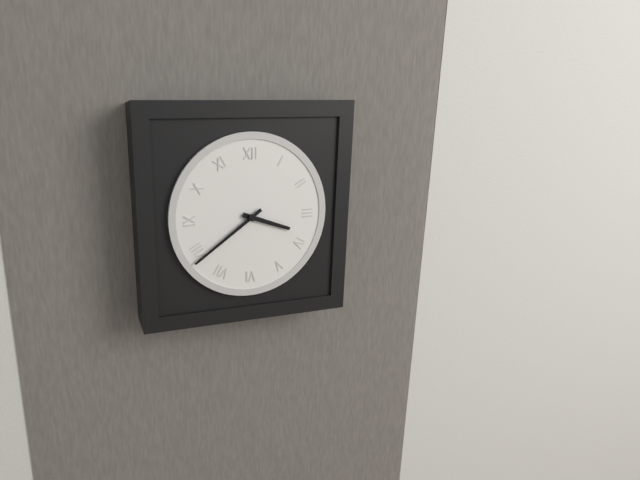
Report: 3 h 39 min
